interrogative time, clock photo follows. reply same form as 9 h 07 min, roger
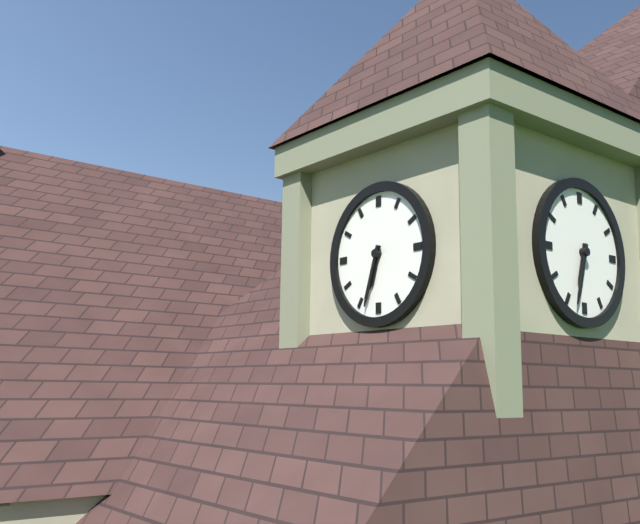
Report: 6 h 33 min
